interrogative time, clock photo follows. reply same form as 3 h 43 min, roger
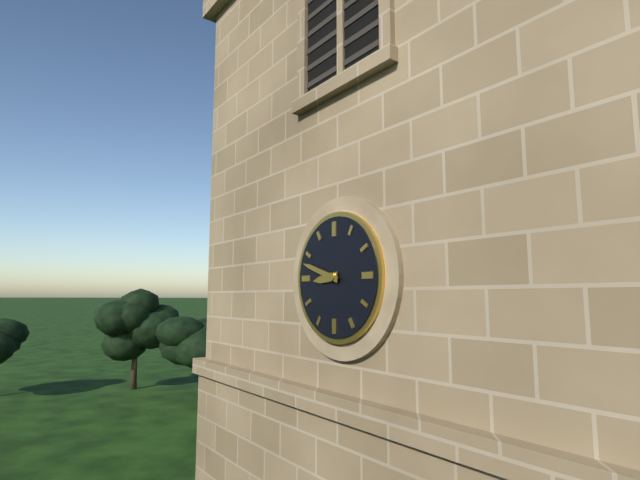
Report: 8 h 48 min
